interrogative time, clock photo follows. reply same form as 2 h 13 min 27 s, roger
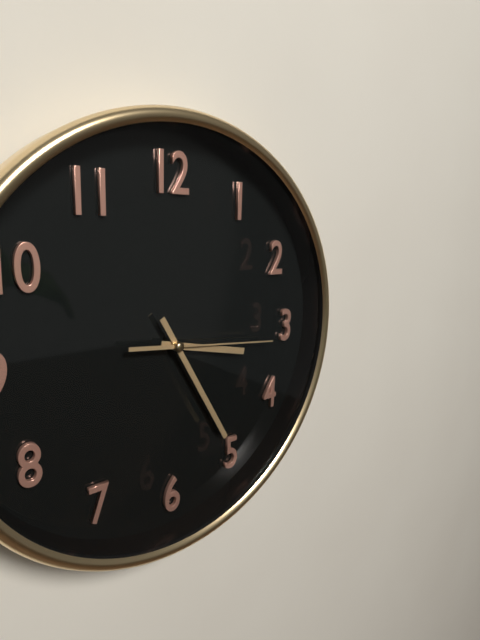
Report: 3 h 25 min 16 s
